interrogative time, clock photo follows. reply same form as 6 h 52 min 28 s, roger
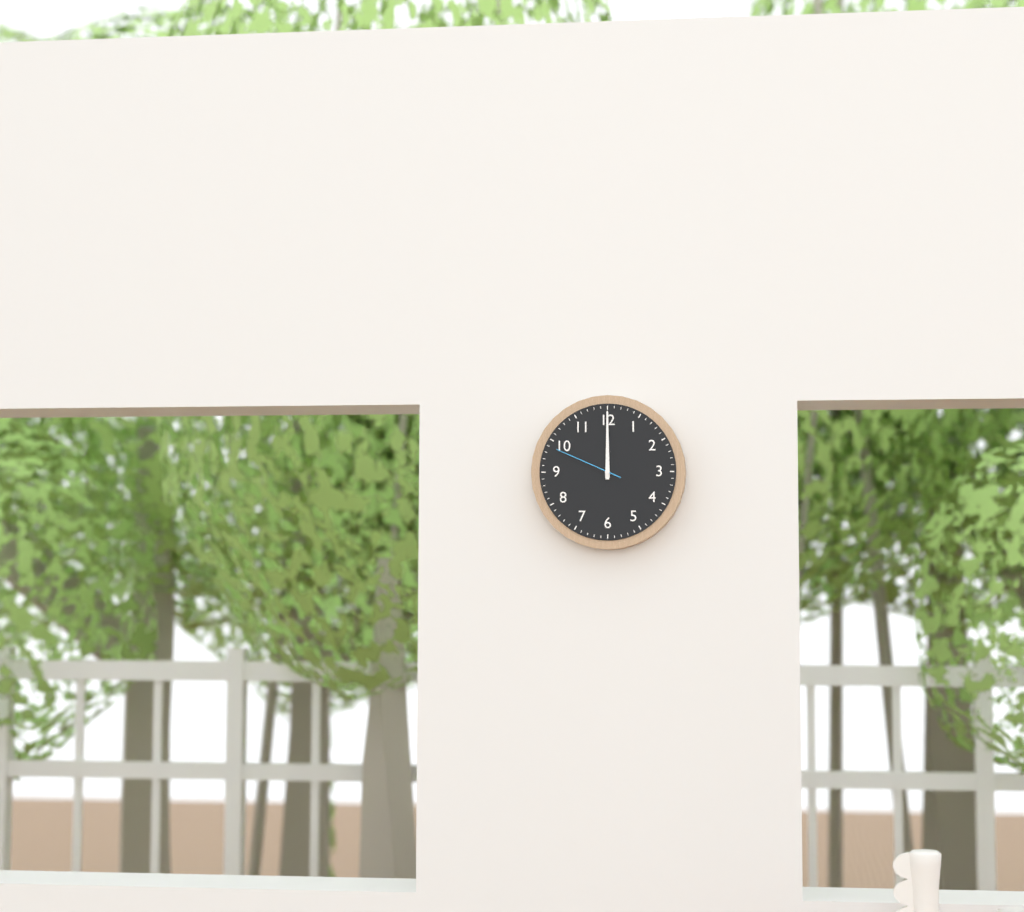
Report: 12 h 00 min 49 s
